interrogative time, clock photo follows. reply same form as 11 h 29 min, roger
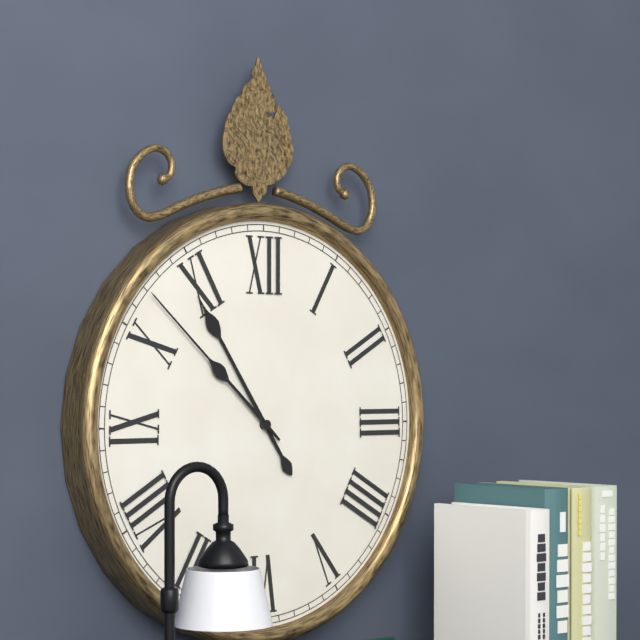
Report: 10 h 52 min
